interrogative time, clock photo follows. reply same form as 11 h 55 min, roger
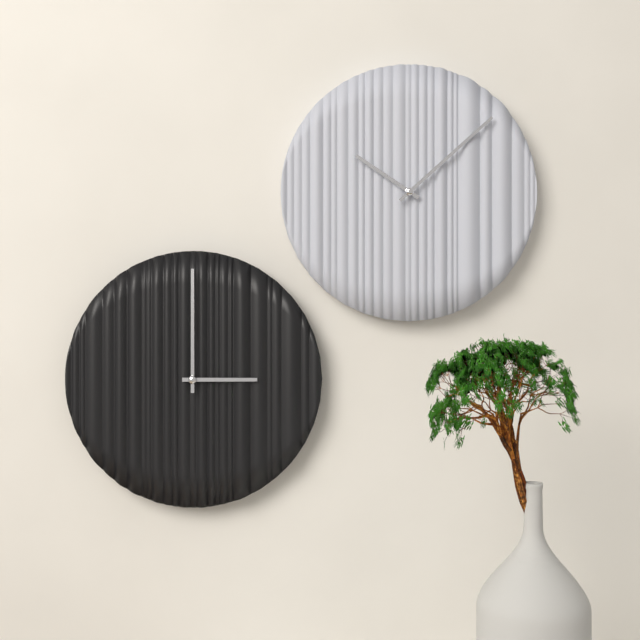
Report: 3 h 00 min
